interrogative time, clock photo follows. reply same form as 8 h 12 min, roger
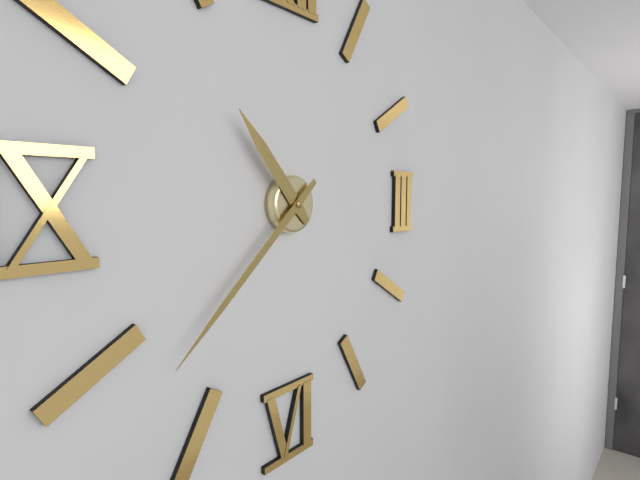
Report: 10 h 38 min
